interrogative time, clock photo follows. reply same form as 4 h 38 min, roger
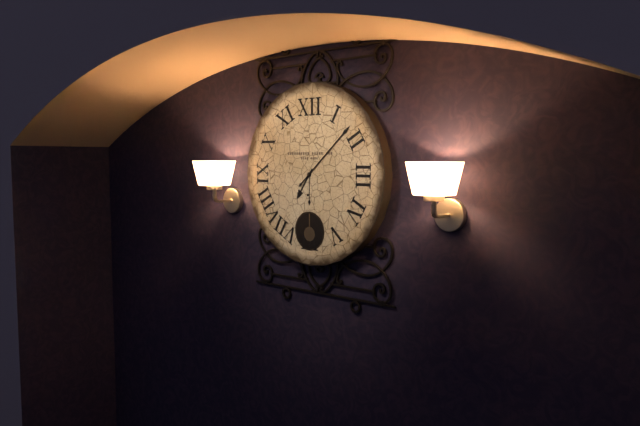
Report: 7 h 08 min
